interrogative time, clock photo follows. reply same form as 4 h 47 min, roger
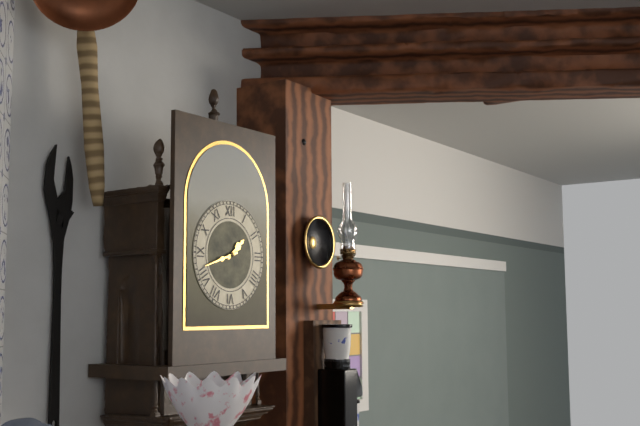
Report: 1 h 42 min
